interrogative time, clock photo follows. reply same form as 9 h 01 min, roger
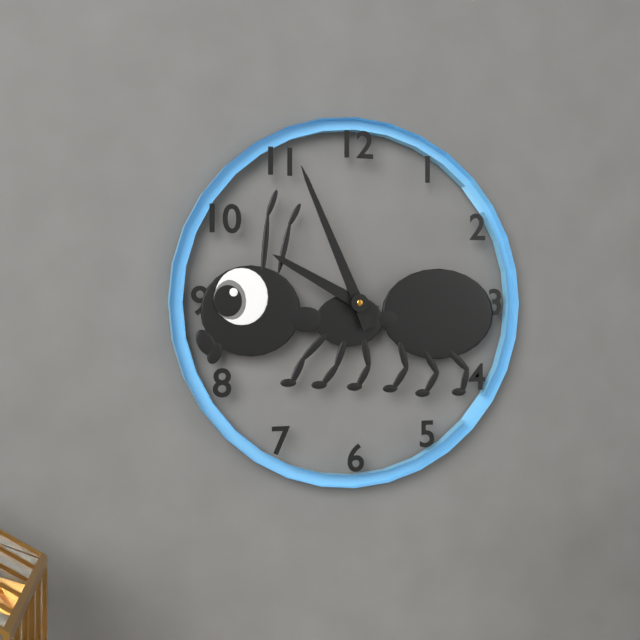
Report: 9 h 56 min
